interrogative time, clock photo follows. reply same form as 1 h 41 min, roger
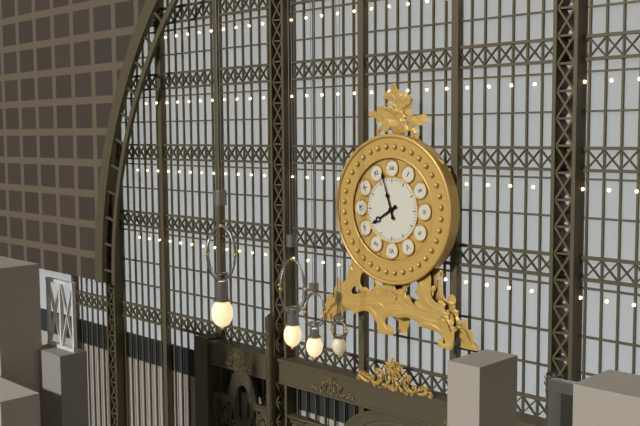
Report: 7 h 57 min
